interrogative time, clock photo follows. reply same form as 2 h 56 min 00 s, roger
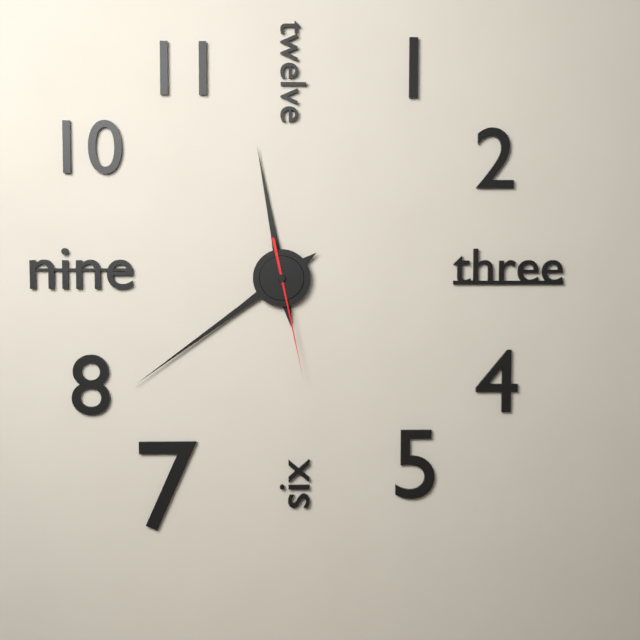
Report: 11 h 39 min 28 s
